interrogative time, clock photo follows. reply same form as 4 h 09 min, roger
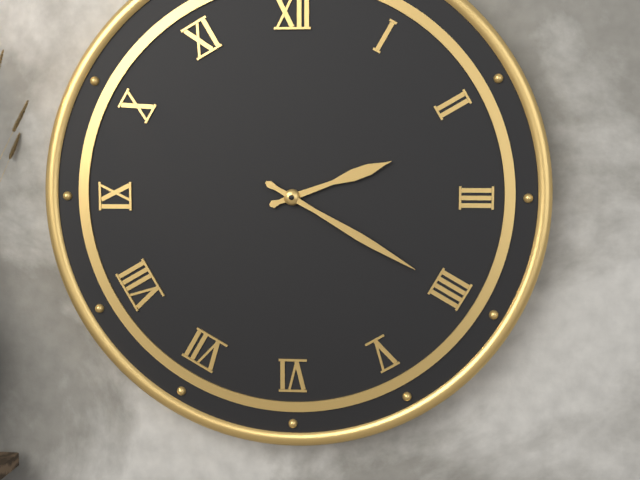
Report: 2 h 20 min
